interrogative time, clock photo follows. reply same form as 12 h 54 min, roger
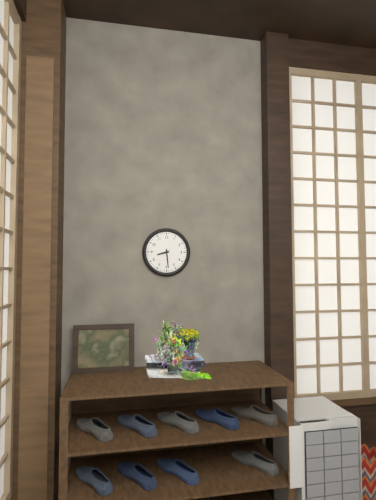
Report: 8 h 29 min
